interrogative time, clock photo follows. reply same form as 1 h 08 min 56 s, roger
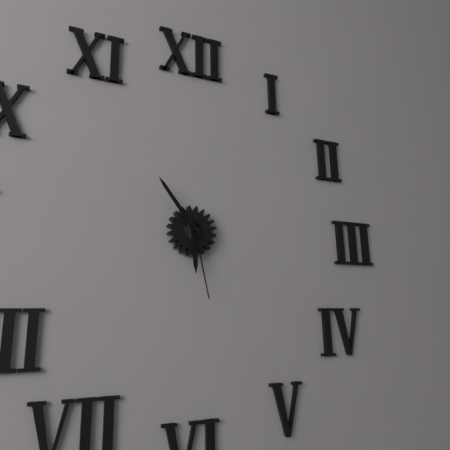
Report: 5 h 54 min 28 s
